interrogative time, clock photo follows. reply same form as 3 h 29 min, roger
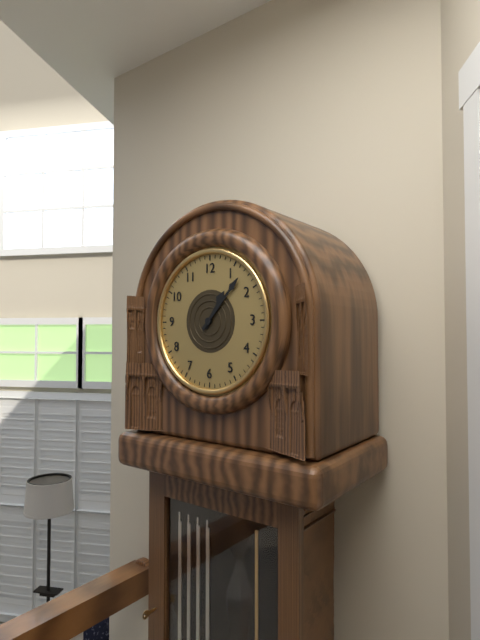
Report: 1 h 07 min
